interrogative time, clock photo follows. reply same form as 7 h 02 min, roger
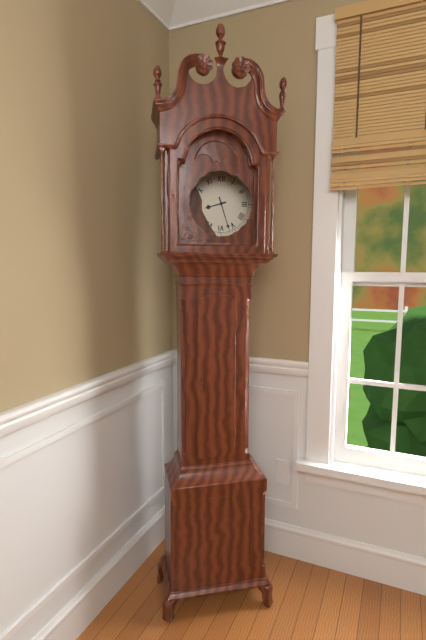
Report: 8 h 27 min
